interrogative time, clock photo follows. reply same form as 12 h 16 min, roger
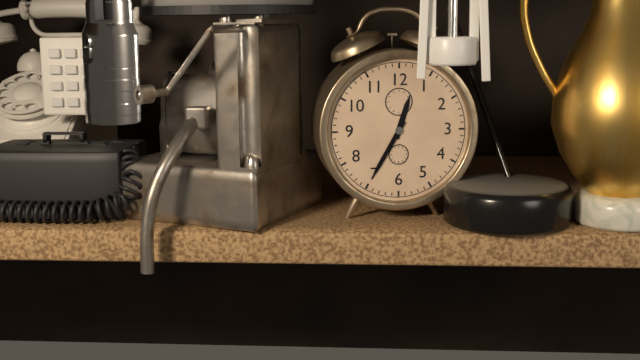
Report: 12 h 35 min
